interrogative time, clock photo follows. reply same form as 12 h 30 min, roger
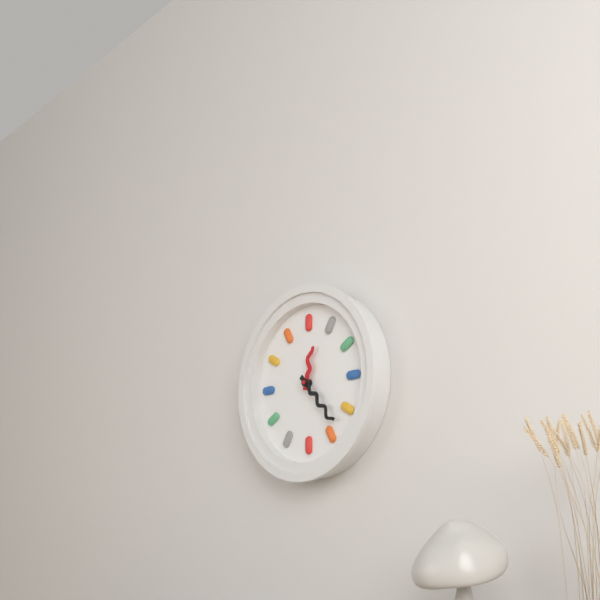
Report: 12 h 23 min
